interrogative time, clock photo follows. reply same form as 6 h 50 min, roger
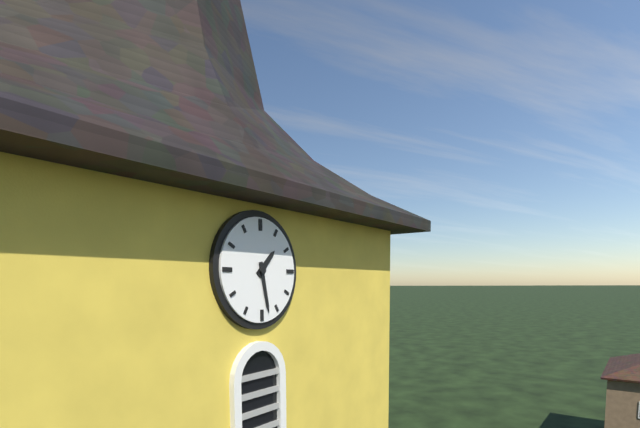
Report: 1 h 28 min
